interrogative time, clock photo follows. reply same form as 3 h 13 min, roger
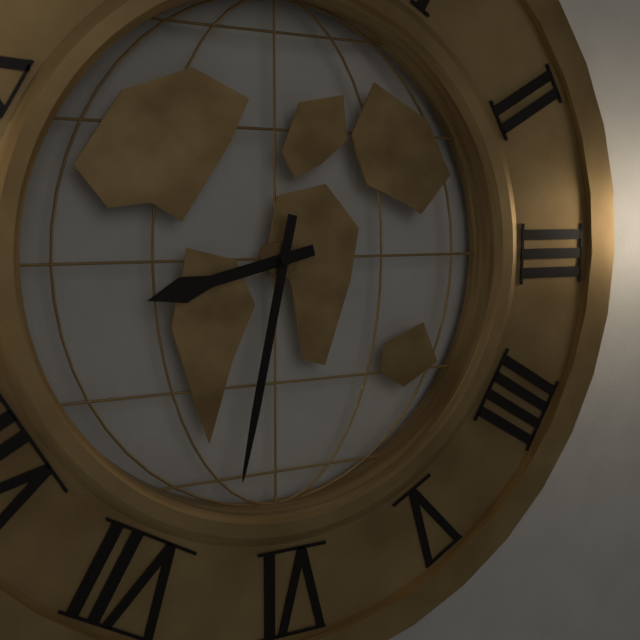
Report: 8 h 32 min
